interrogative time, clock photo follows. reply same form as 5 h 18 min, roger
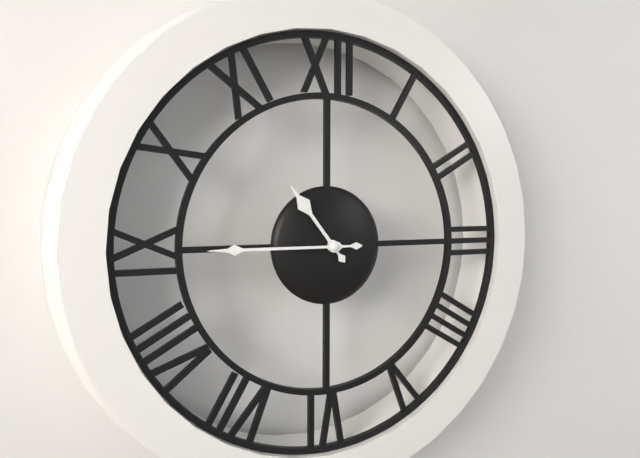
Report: 10 h 45 min
